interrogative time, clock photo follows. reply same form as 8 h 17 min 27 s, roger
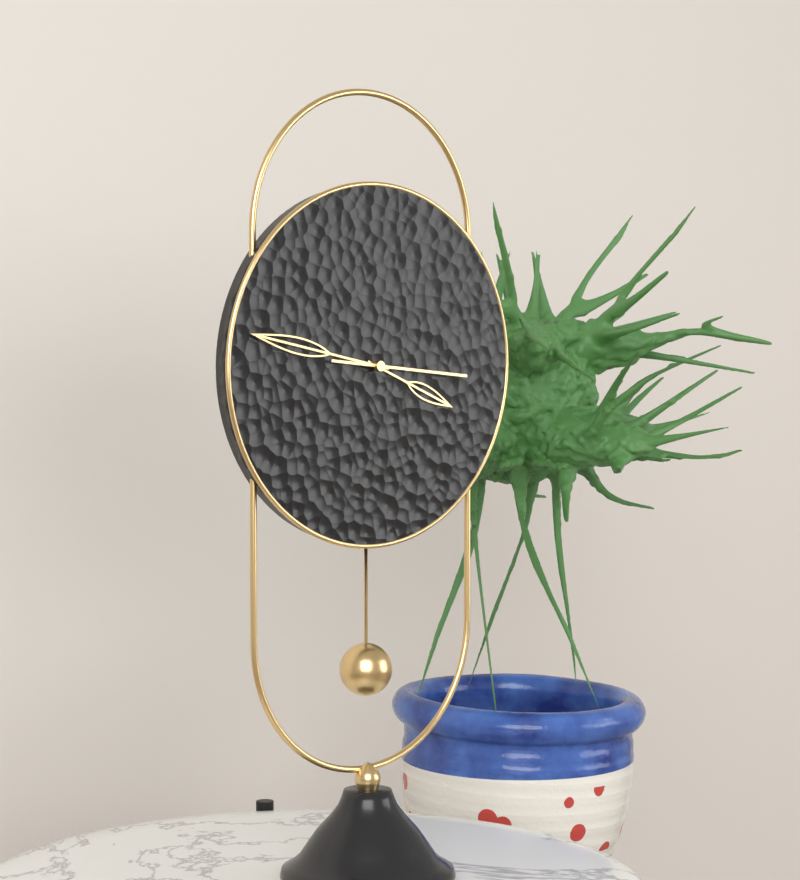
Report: 3 h 47 min 16 s
